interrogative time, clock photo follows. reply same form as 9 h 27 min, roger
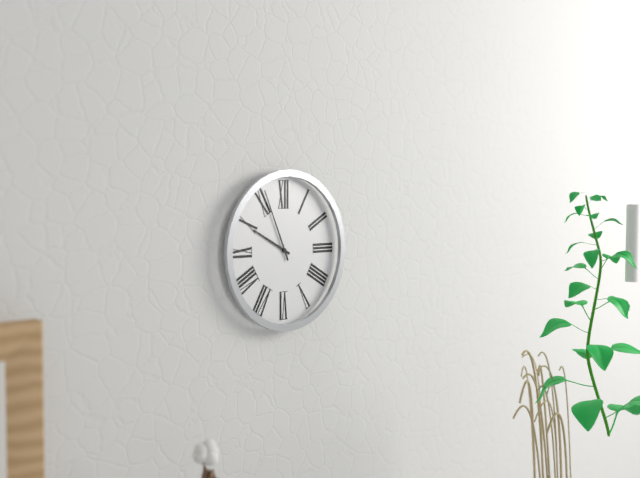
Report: 9 h 56 min
